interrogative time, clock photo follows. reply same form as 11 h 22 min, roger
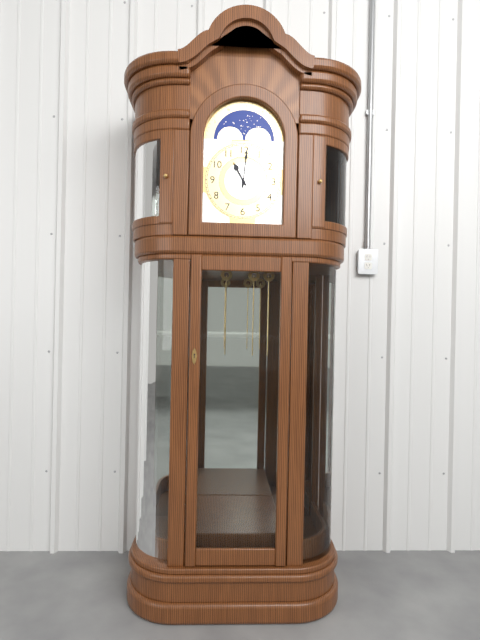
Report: 11 h 01 min
